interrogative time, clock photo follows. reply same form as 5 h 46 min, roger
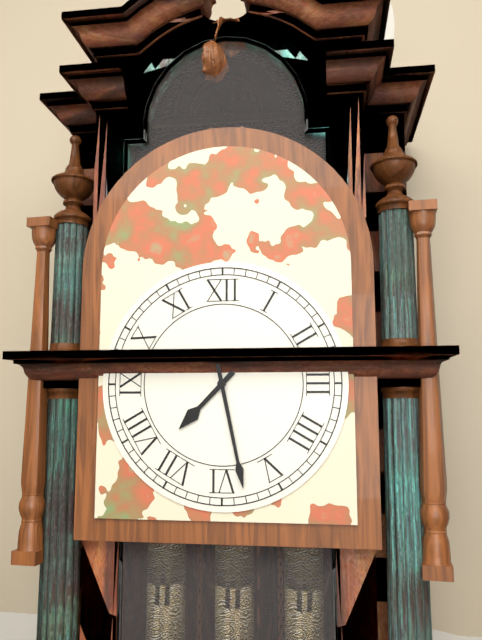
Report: 7 h 28 min
